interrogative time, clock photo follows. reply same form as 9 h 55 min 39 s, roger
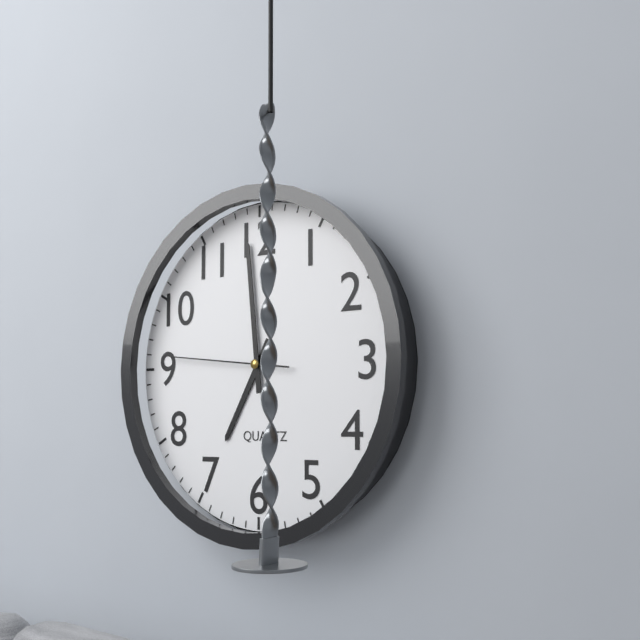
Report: 6 h 59 min 46 s
